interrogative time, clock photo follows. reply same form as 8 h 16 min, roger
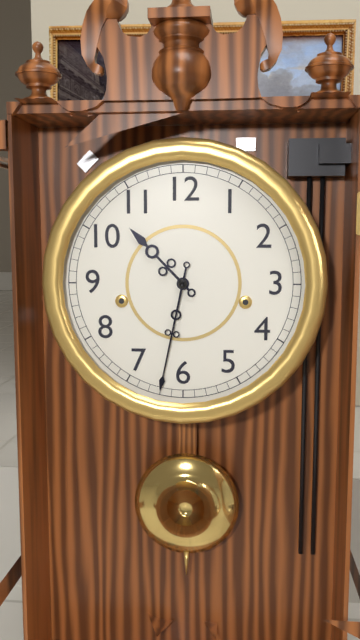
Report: 10 h 32 min
